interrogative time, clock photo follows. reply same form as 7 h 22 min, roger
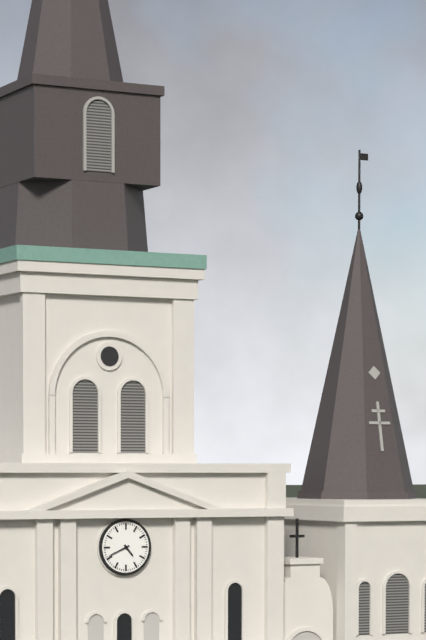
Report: 4 h 41 min
